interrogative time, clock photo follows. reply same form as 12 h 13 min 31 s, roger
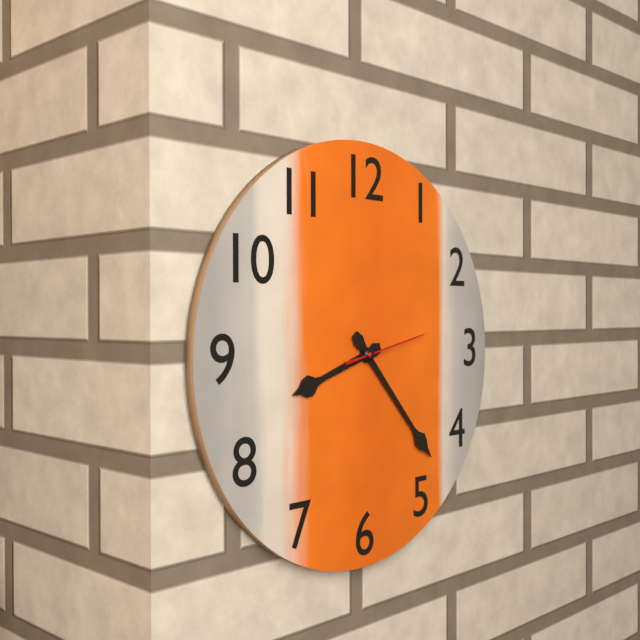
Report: 8 h 23 min 13 s
